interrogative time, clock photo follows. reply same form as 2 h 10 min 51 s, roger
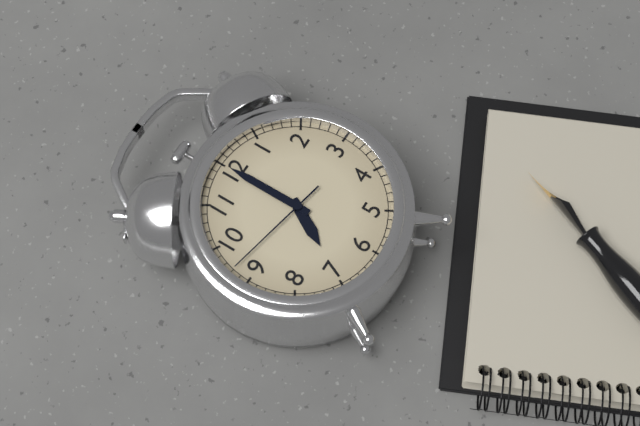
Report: 7 h 00 min 47 s
